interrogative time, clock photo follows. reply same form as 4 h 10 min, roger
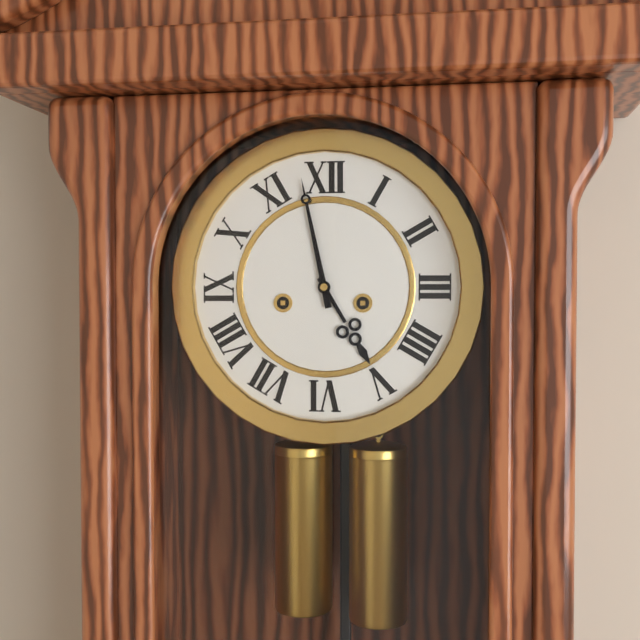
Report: 4 h 58 min
